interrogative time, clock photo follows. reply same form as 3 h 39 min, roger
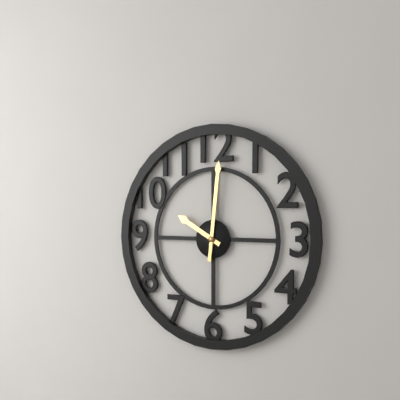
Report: 10 h 01 min
